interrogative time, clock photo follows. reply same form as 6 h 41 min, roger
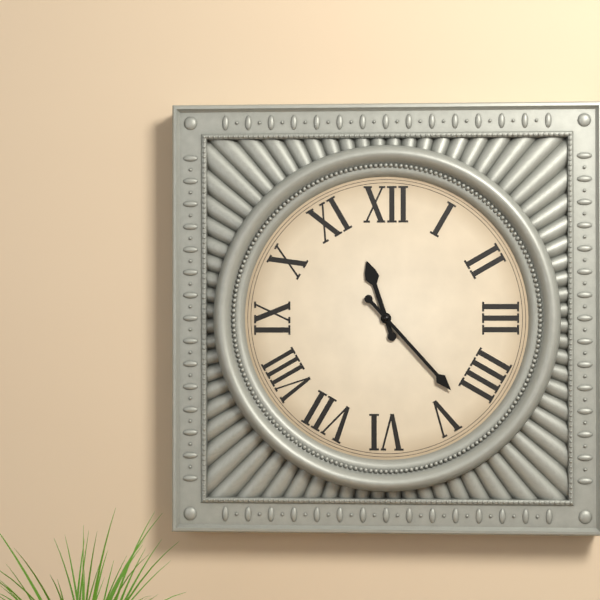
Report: 11 h 23 min
